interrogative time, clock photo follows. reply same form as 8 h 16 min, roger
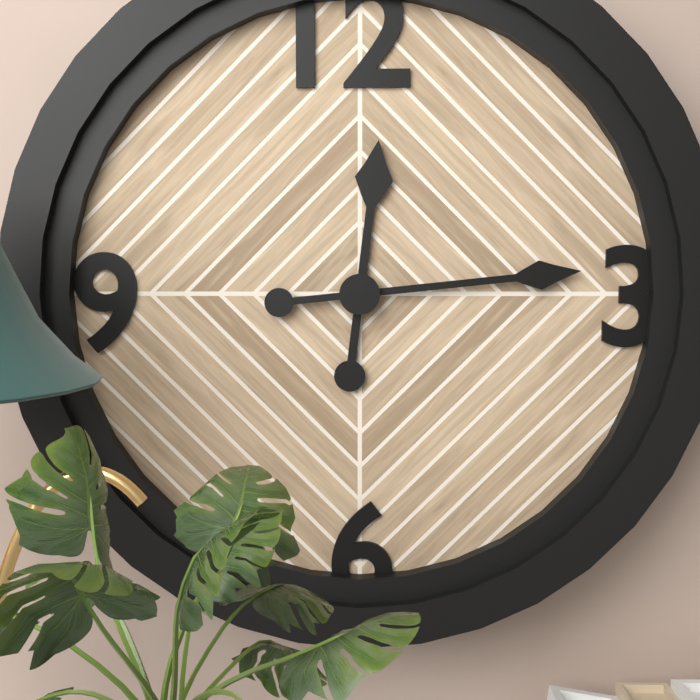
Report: 12 h 14 min
